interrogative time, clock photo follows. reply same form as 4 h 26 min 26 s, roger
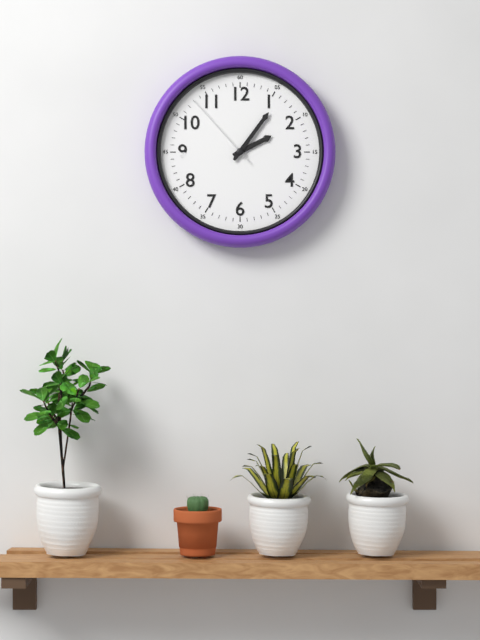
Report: 2 h 06 min 53 s
